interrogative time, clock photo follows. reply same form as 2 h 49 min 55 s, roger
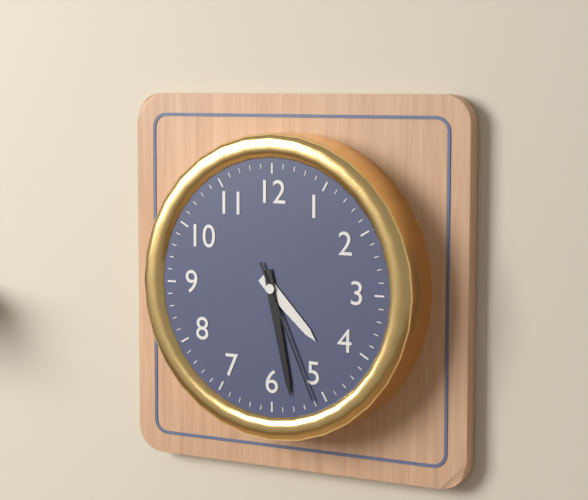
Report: 4 h 28 min 26 s
